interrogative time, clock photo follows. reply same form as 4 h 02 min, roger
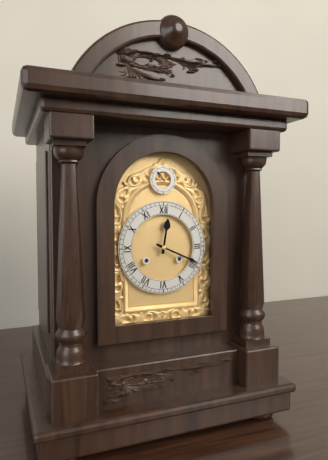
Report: 12 h 19 min
